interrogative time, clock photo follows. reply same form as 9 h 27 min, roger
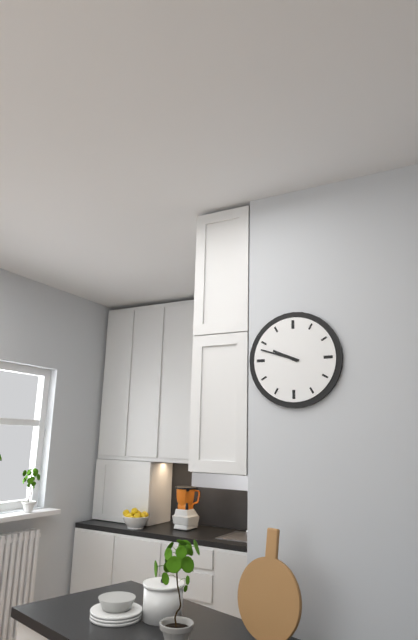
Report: 9 h 48 min
